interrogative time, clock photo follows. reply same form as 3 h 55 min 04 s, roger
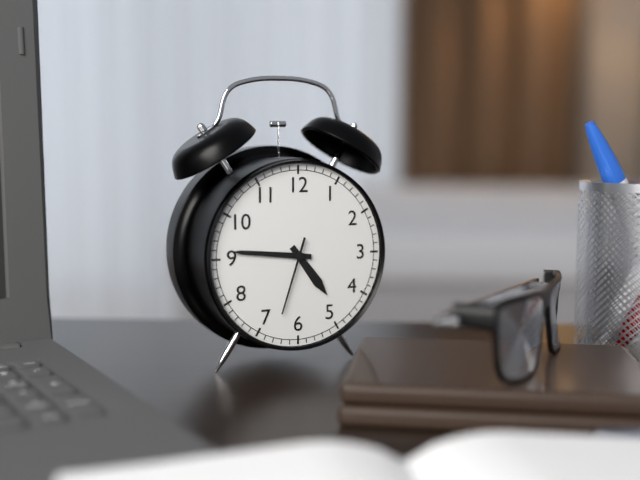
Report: 4 h 46 min 33 s
